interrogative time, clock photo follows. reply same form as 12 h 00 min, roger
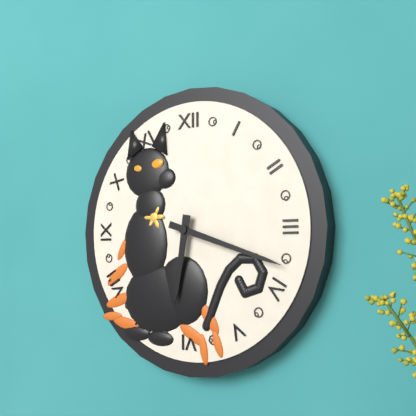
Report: 6 h 18 min
